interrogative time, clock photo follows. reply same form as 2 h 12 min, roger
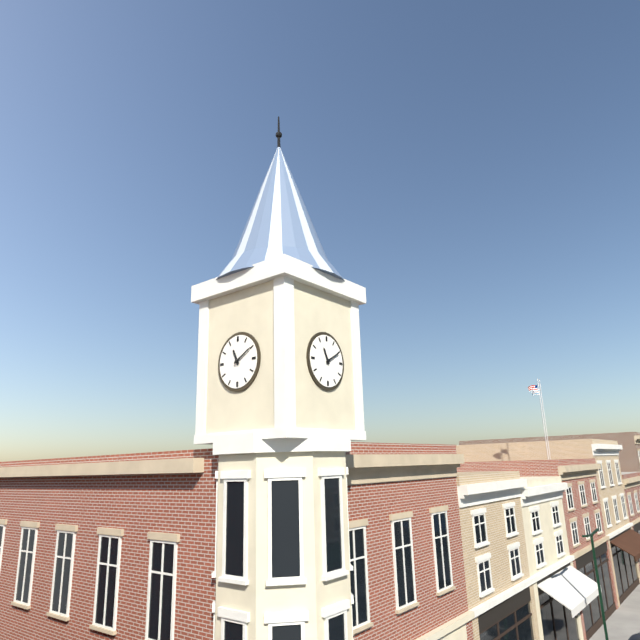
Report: 11 h 10 min
